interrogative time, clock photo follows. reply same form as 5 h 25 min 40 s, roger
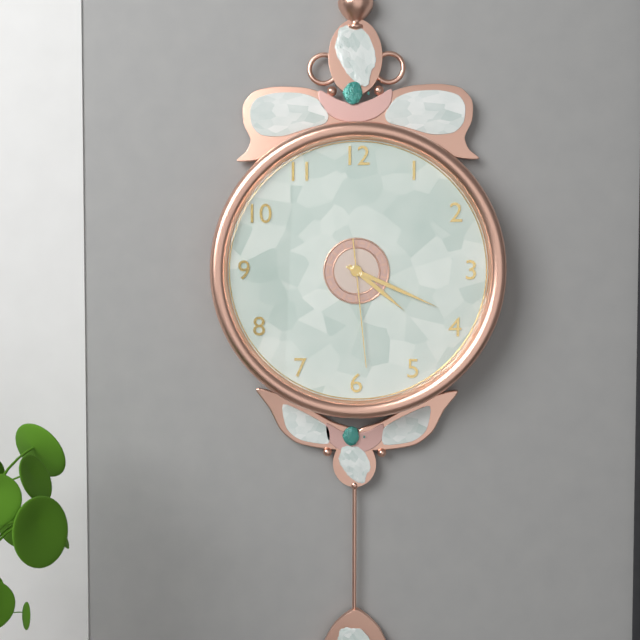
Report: 4 h 19 min 29 s
